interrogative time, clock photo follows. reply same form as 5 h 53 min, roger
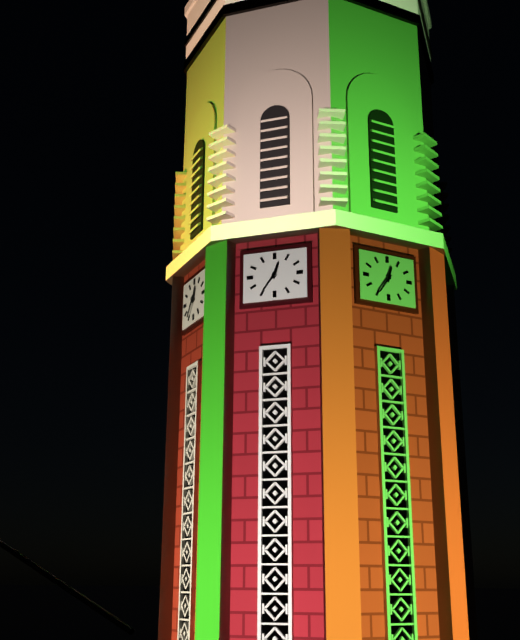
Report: 12 h 36 min
